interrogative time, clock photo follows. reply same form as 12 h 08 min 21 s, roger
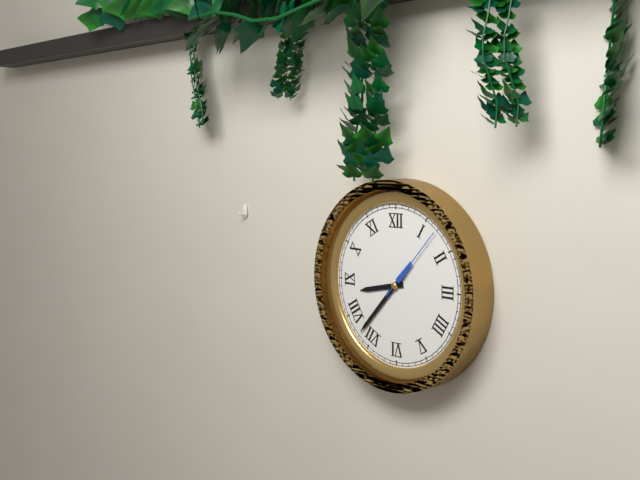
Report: 8 h 37 min 07 s
